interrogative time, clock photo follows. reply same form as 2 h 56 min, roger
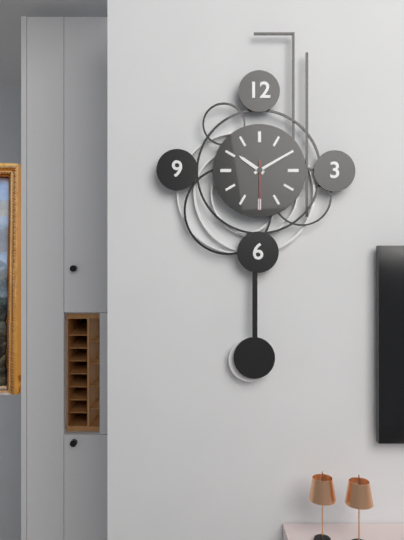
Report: 10 h 10 min
